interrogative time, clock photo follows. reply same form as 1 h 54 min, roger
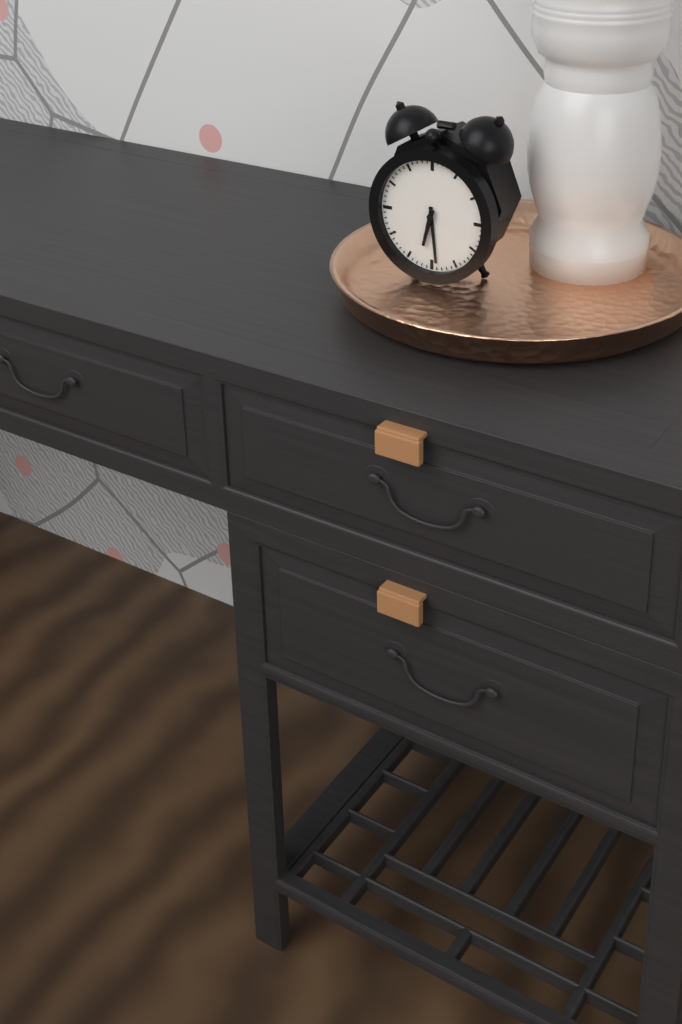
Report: 6 h 29 min
